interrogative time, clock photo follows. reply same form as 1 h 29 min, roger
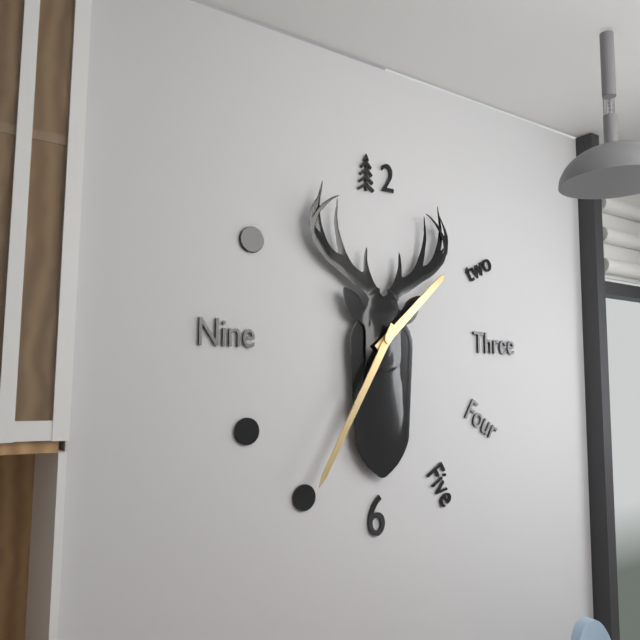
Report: 1 h 35 min
